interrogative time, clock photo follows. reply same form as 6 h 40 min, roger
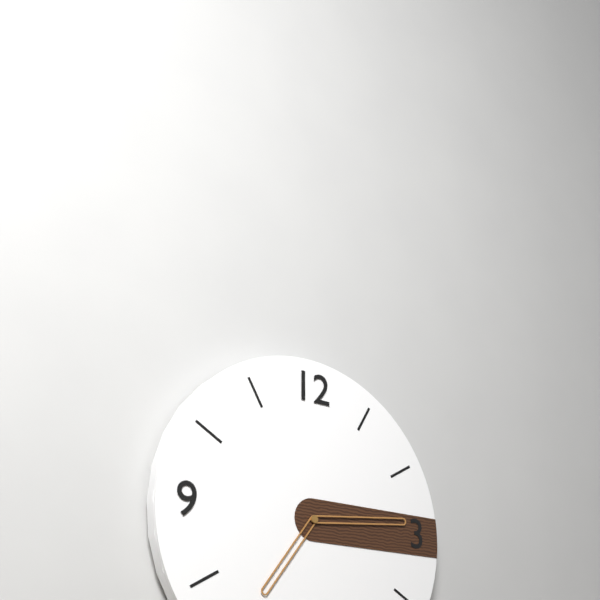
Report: 7 h 14 min
